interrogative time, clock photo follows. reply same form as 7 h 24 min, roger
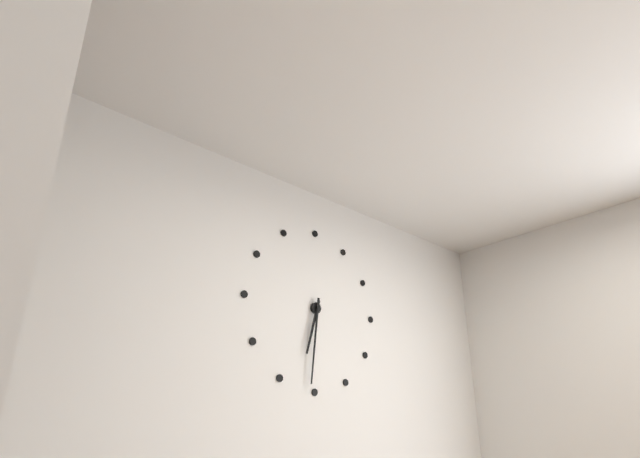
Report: 6 h 31 min
